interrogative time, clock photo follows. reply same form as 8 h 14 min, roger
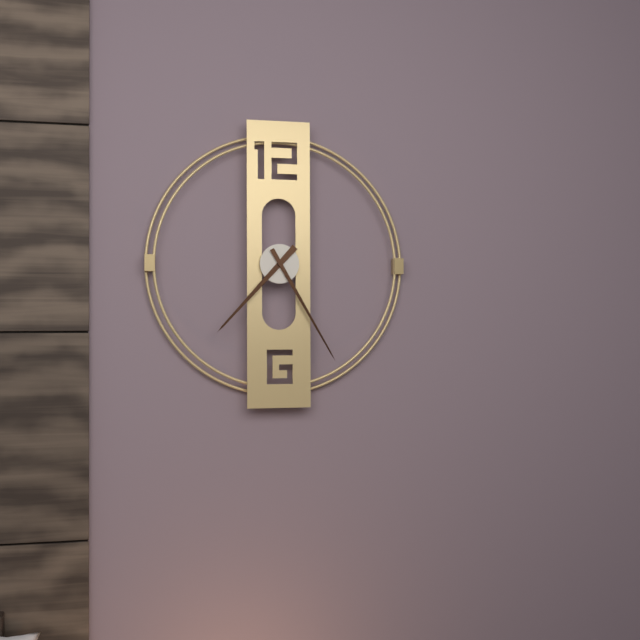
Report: 7 h 25 min
